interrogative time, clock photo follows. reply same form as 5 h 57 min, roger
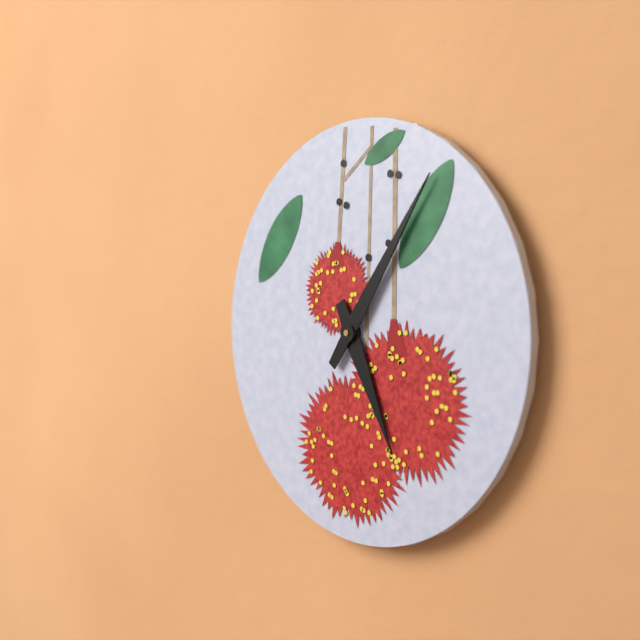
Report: 5 h 06 min
